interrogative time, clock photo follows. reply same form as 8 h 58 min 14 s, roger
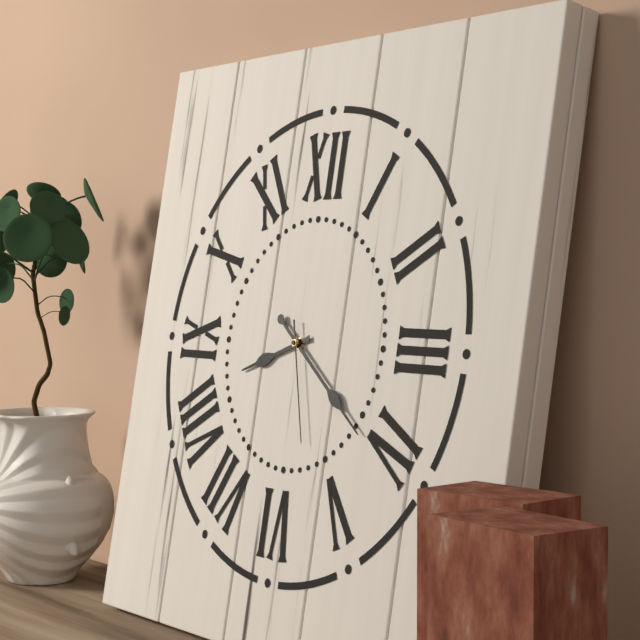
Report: 8 h 21 min 27 s
